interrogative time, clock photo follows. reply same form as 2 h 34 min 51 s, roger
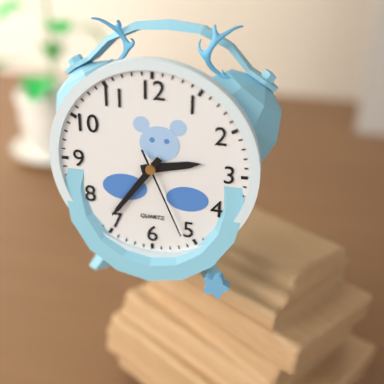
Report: 2 h 36 min 26 s
